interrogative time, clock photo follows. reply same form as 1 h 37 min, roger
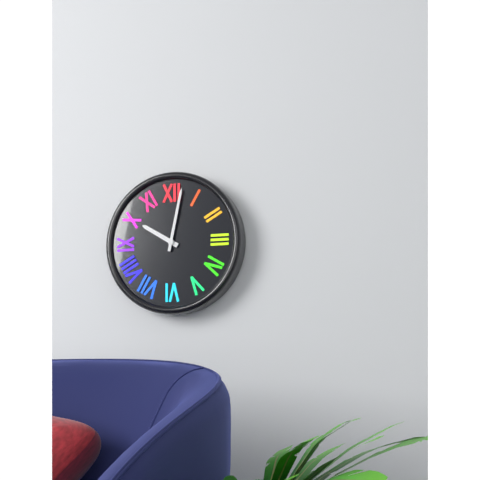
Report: 10 h 02 min
